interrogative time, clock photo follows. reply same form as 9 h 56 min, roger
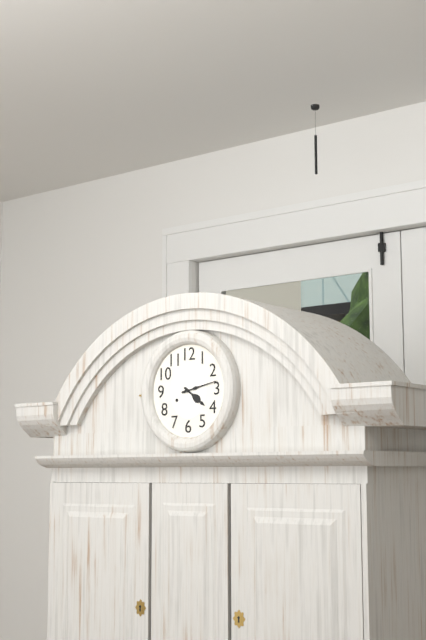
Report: 4 h 13 min
